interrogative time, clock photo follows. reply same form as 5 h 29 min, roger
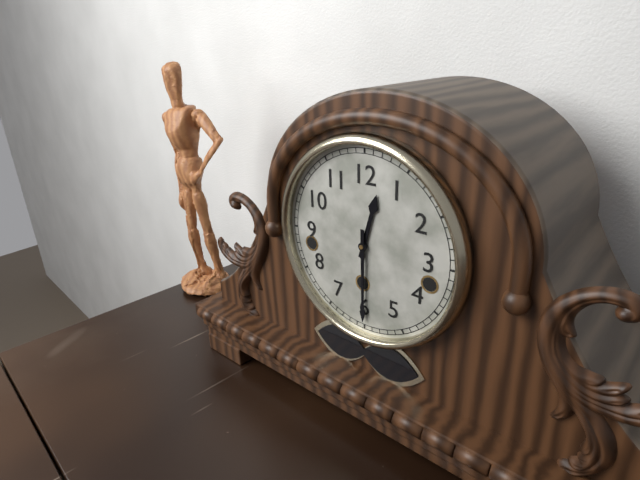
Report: 12 h 30 min
